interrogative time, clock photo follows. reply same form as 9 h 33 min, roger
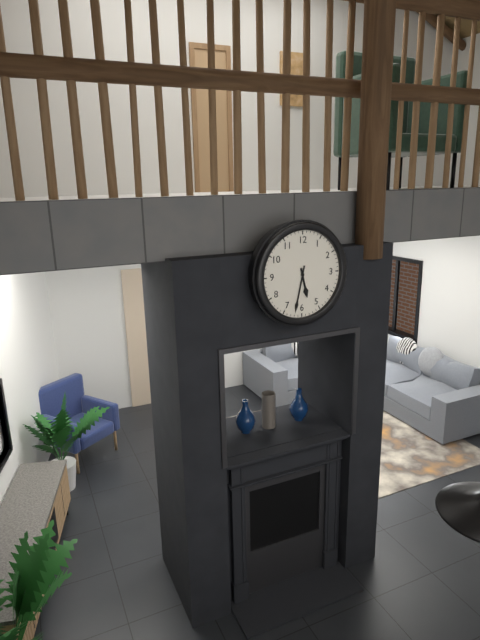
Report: 5 h 32 min
